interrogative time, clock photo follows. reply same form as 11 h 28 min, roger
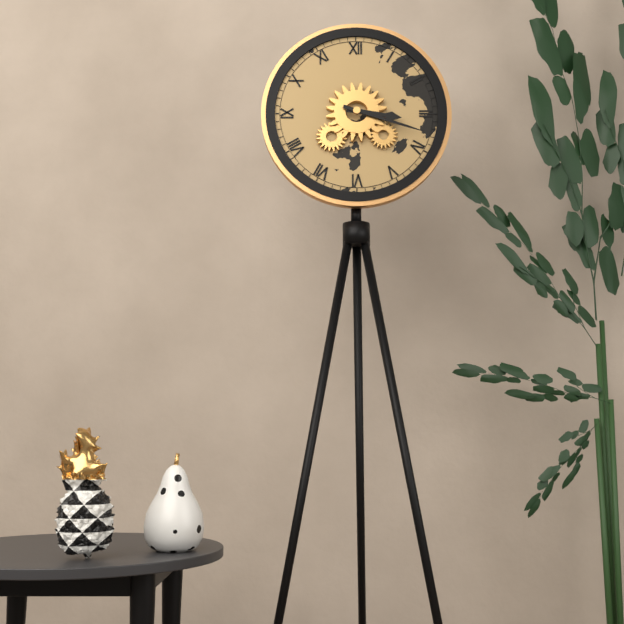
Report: 3 h 18 min
